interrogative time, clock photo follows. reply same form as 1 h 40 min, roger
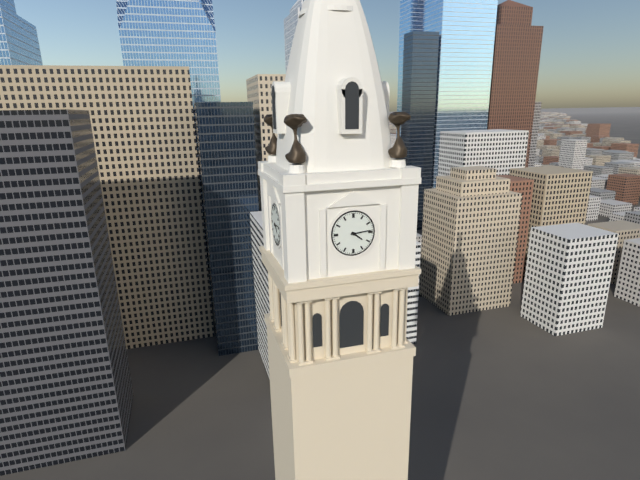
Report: 4 h 14 min
